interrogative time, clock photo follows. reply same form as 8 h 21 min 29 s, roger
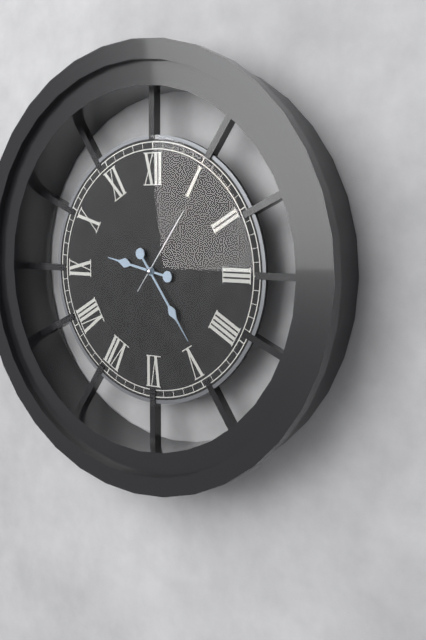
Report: 9 h 24 min 06 s
